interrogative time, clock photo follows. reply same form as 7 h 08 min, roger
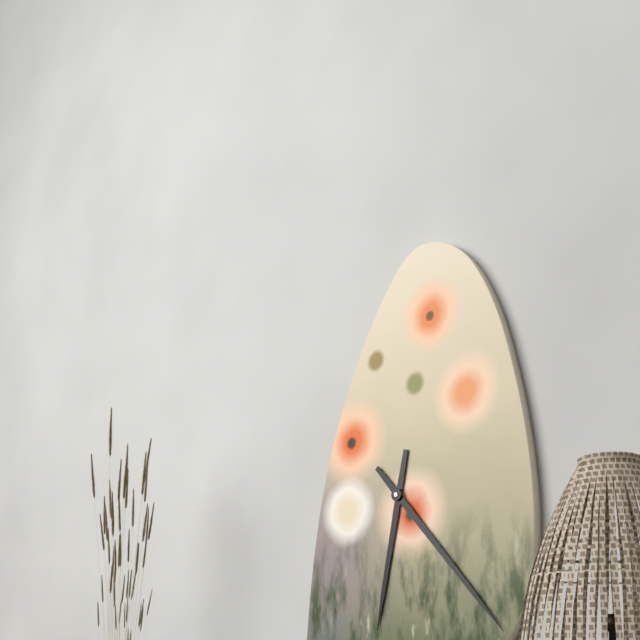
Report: 6 h 23 min
